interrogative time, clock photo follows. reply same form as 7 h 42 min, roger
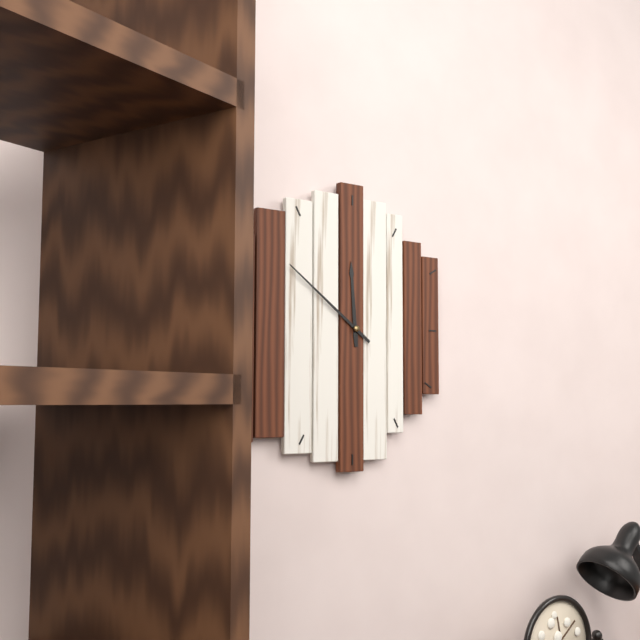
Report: 11 h 51 min
